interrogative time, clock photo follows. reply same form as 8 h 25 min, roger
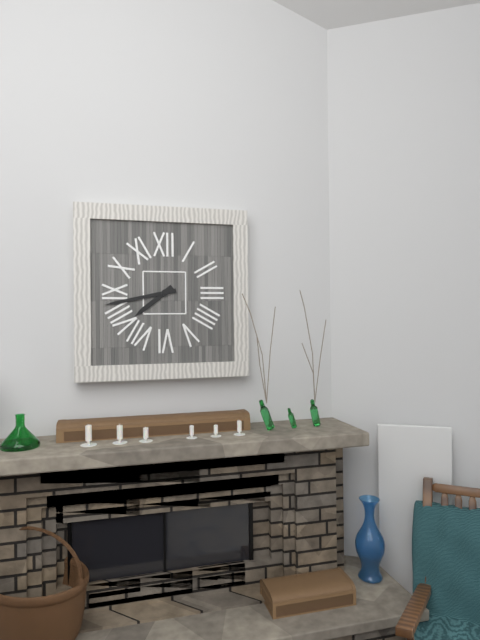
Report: 7 h 43 min
